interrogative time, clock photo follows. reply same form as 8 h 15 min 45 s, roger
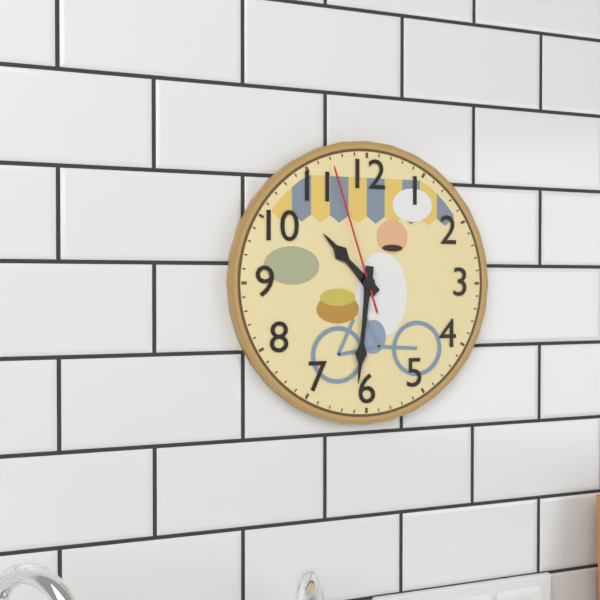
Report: 10 h 31 min 57 s
